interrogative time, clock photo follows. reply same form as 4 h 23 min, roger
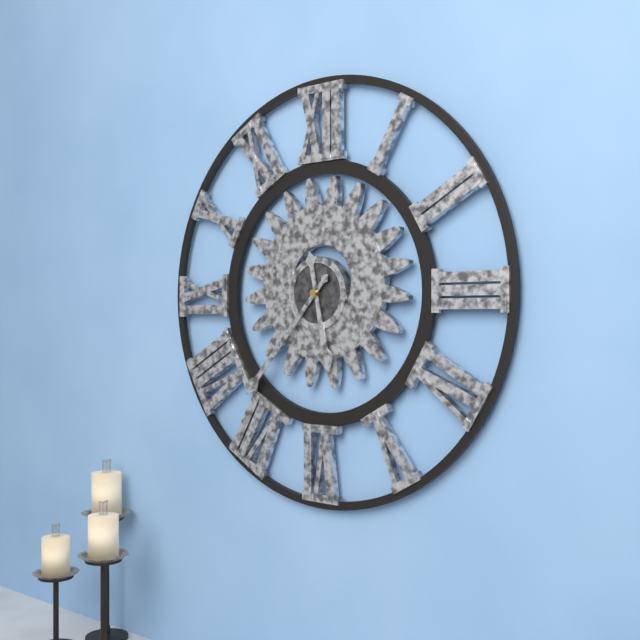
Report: 5 h 37 min
